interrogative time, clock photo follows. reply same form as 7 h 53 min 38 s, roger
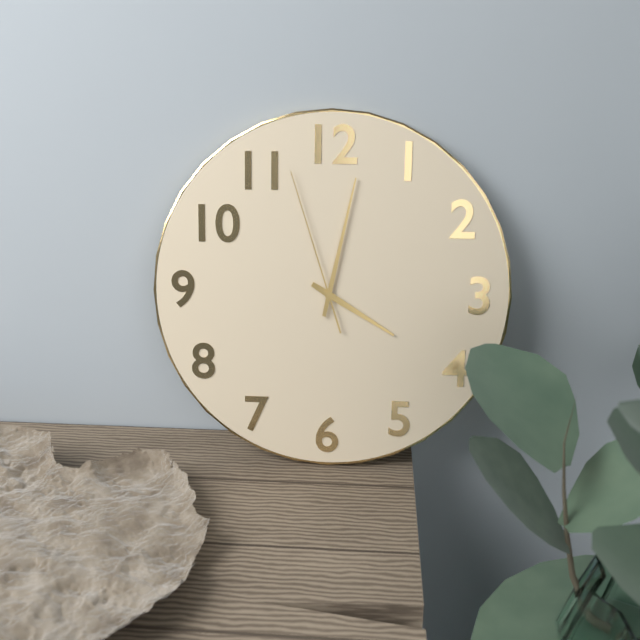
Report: 4 h 02 min 57 s
